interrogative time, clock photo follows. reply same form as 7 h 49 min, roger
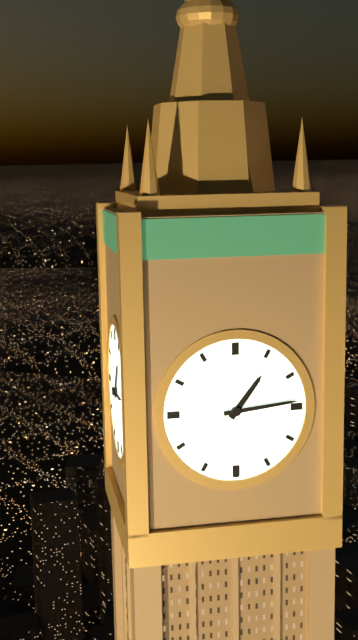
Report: 1 h 14 min
